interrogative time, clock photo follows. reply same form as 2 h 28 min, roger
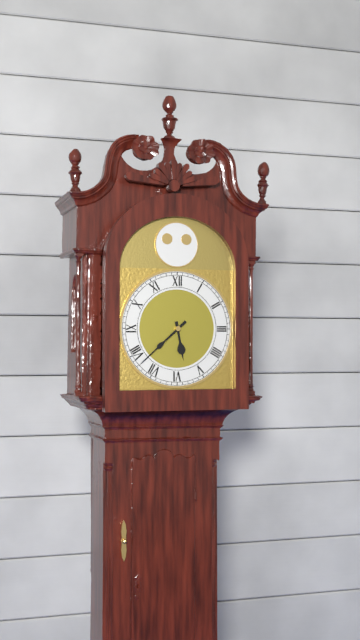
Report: 5 h 38 min
